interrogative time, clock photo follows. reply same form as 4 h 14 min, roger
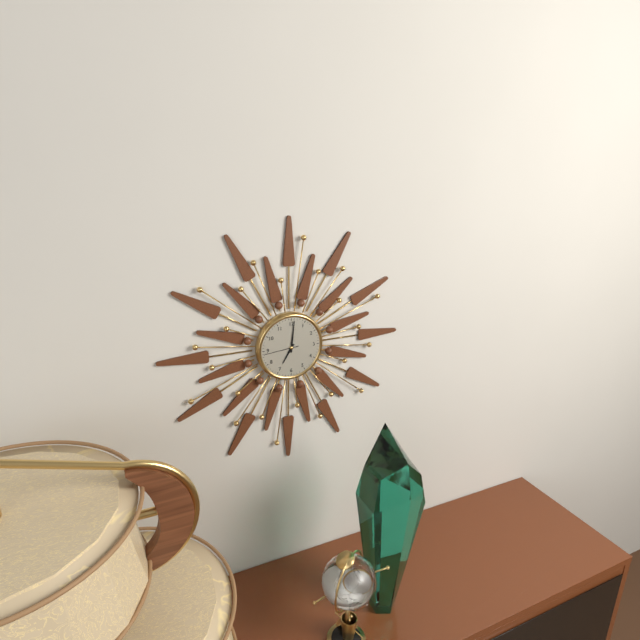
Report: 7 h 01 min
